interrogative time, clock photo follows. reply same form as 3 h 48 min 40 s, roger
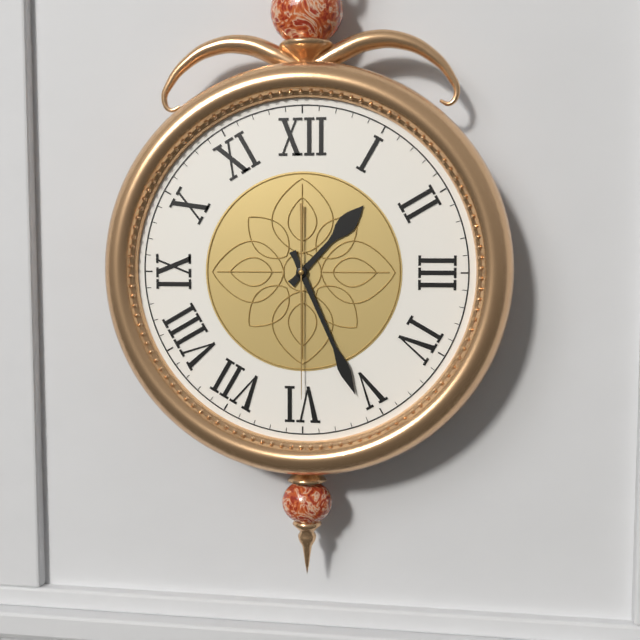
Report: 1 h 26 min 30 s
